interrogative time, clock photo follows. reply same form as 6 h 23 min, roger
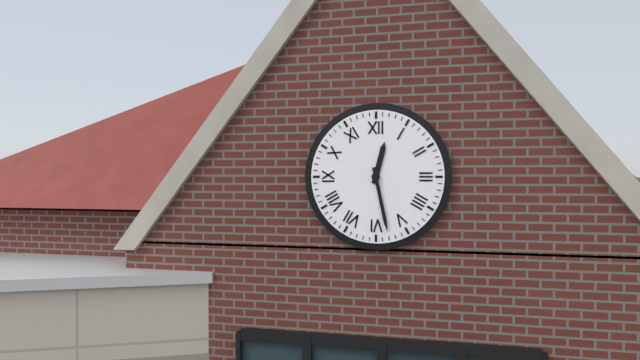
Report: 12 h 28 min
